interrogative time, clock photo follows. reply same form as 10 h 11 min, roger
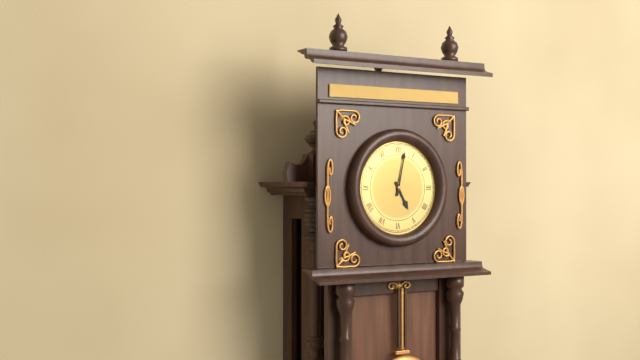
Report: 5 h 02 min
